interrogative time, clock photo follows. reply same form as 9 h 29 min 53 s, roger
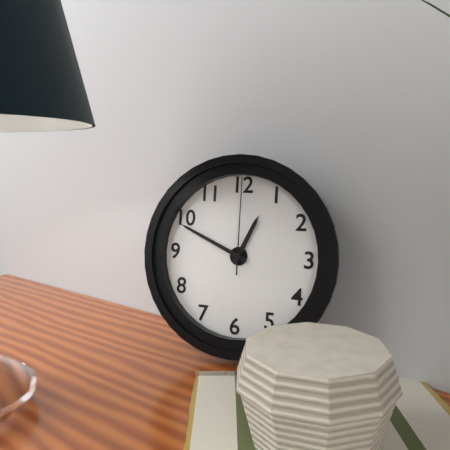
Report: 12 h 49 min 00 s
